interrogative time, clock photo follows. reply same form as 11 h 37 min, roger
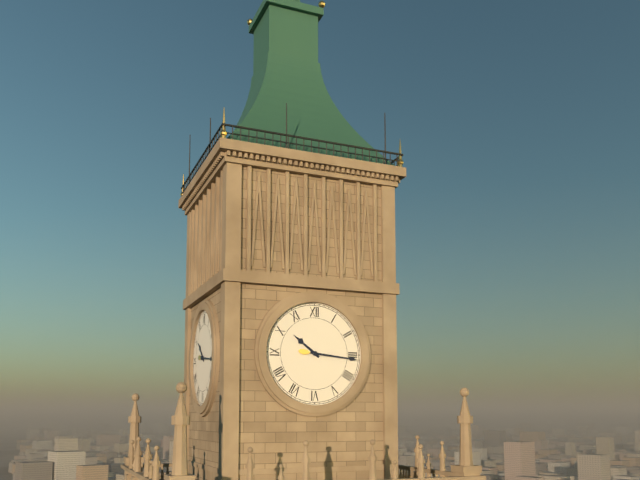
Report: 10 h 16 min
